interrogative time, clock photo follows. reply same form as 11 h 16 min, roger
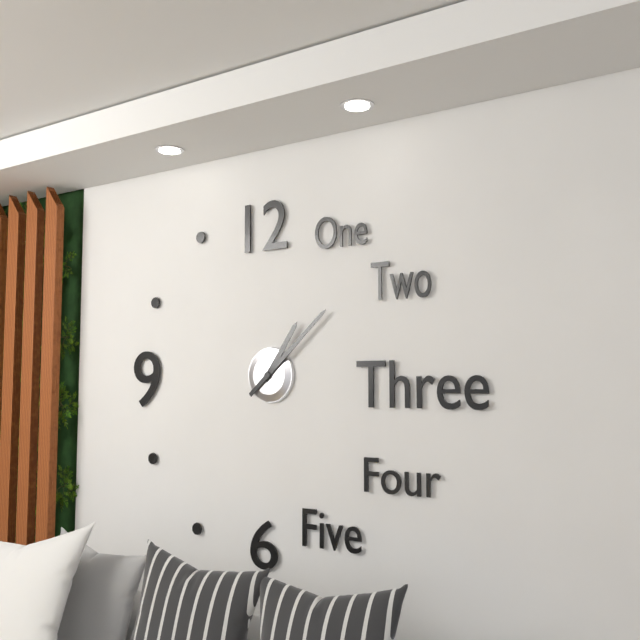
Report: 1 h 08 min
